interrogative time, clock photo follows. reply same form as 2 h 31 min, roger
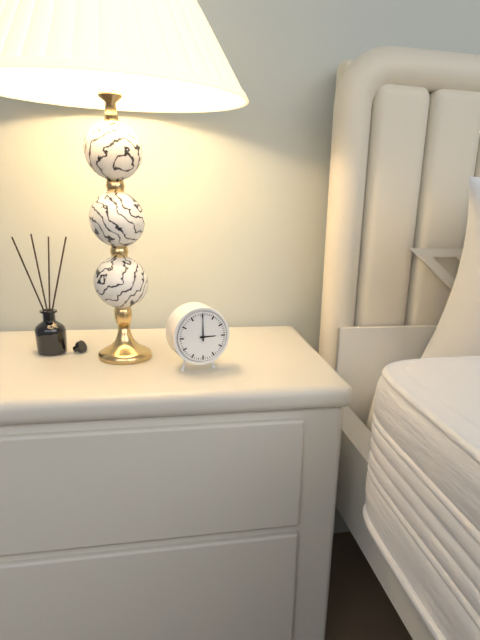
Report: 3 h 00 min
